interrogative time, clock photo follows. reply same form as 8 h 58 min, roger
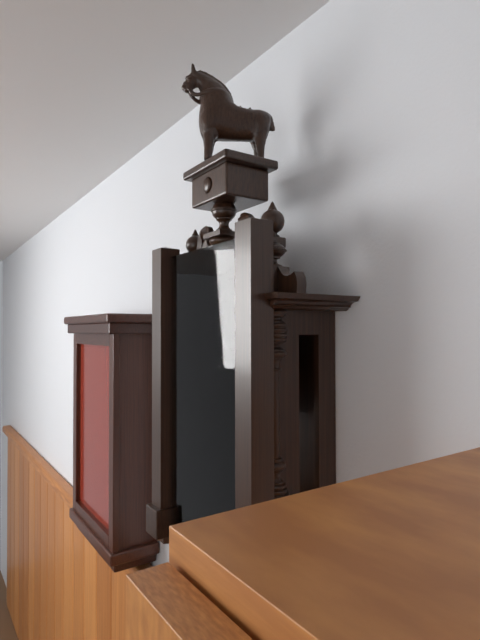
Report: 2 h 58 min
